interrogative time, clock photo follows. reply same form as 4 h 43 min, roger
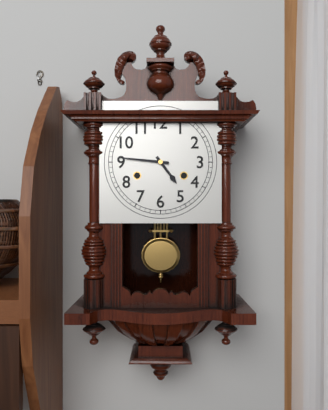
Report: 4 h 46 min
